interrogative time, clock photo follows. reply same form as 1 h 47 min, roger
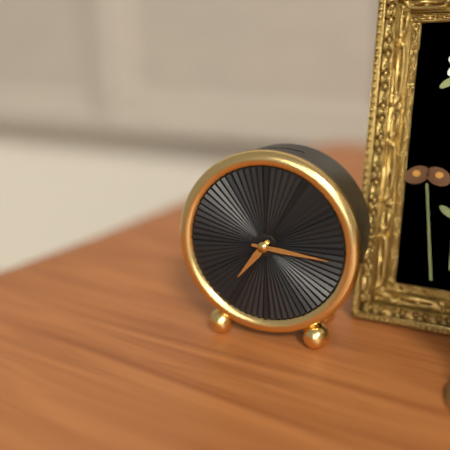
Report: 7 h 16 min
